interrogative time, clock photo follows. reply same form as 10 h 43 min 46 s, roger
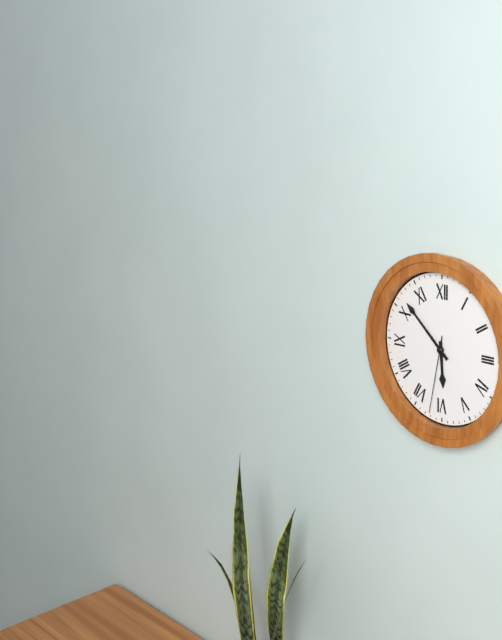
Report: 5 h 52 min 32 s
